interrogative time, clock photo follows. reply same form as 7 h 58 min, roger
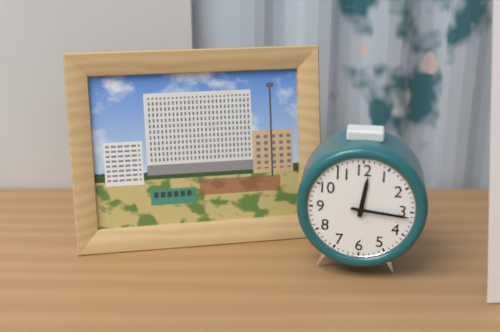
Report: 12 h 16 min
